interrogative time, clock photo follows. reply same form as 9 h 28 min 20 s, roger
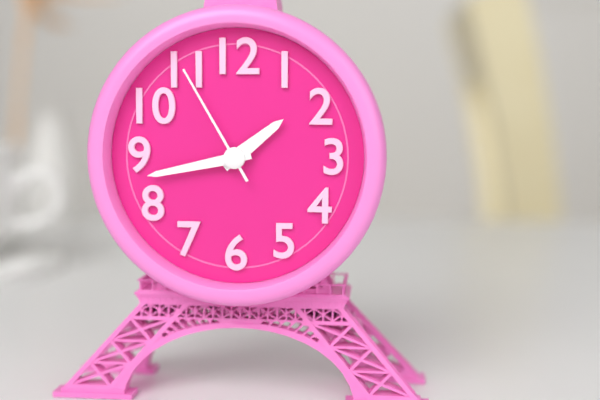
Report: 1 h 43 min 55 s
